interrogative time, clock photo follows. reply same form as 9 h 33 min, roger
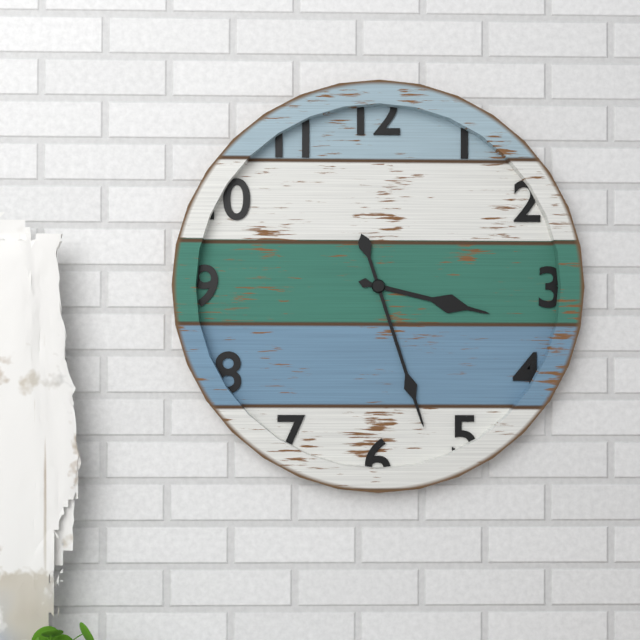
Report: 3 h 27 min
